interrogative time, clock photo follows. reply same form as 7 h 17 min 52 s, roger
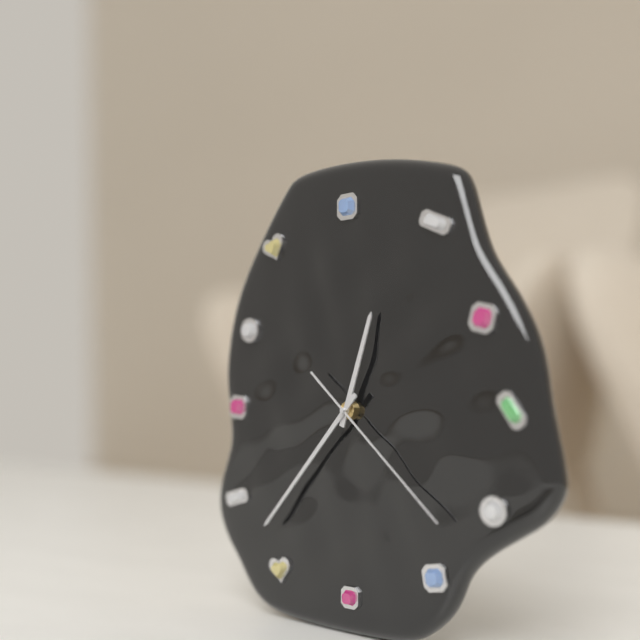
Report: 12 h 37 min 22 s
